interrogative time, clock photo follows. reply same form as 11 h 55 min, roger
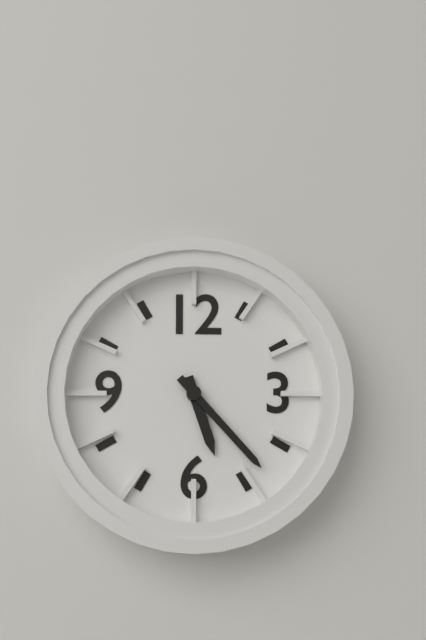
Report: 5 h 23 min
